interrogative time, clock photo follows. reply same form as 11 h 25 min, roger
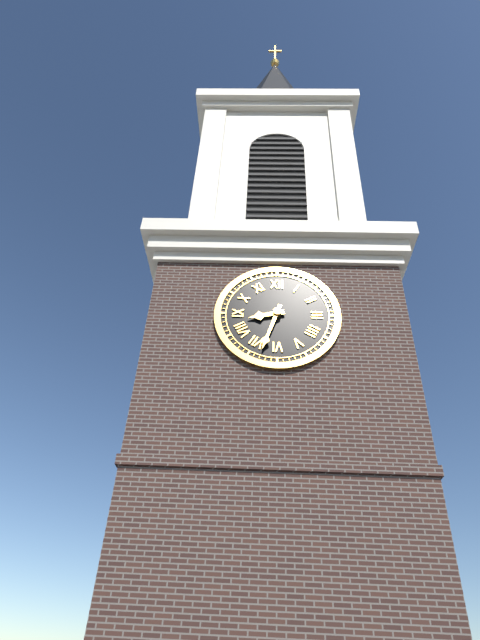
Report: 8 h 33 min
